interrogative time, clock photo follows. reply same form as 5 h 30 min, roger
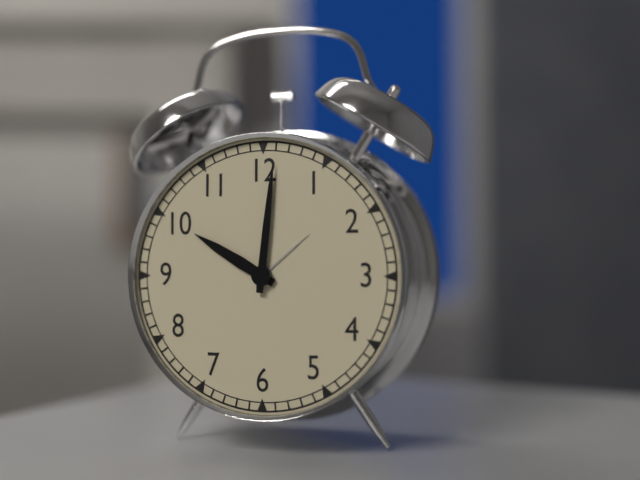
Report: 10 h 01 min
